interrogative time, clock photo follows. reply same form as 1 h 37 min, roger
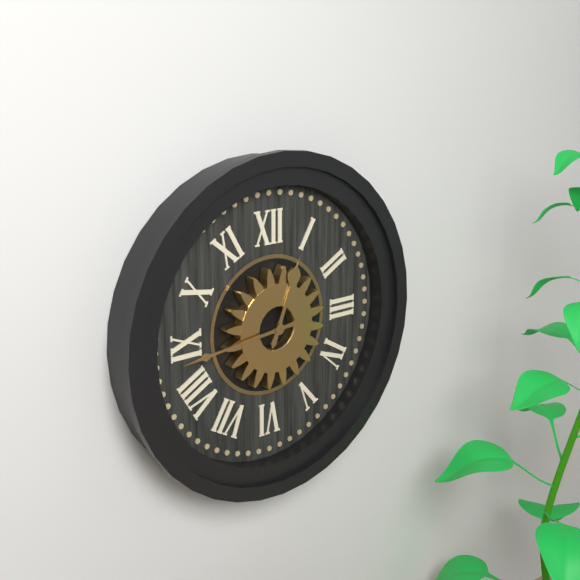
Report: 12 h 44 min
